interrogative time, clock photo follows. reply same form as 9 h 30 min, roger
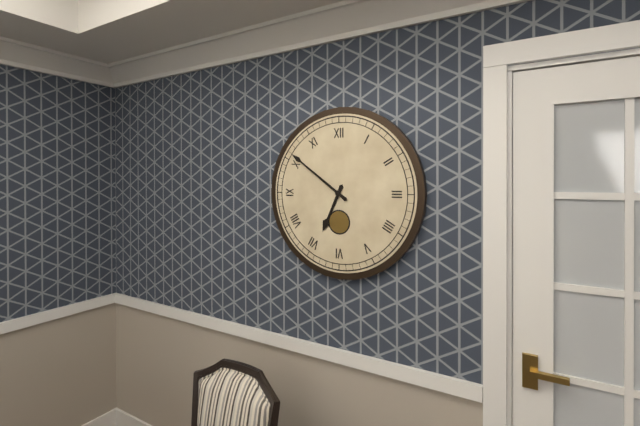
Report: 6 h 51 min
